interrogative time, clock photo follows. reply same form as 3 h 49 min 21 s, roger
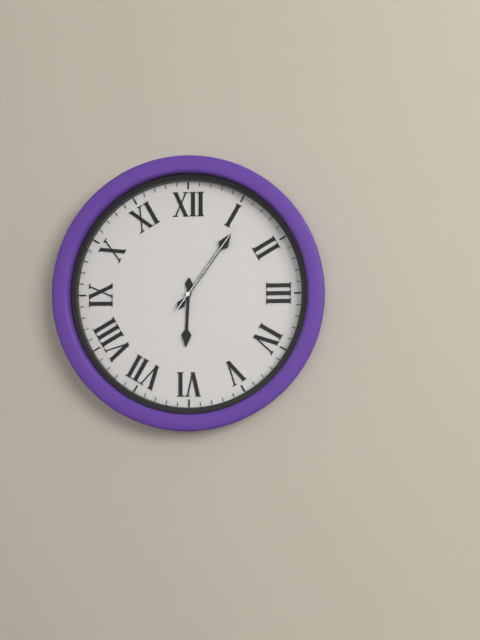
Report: 6 h 06 min 06 s
